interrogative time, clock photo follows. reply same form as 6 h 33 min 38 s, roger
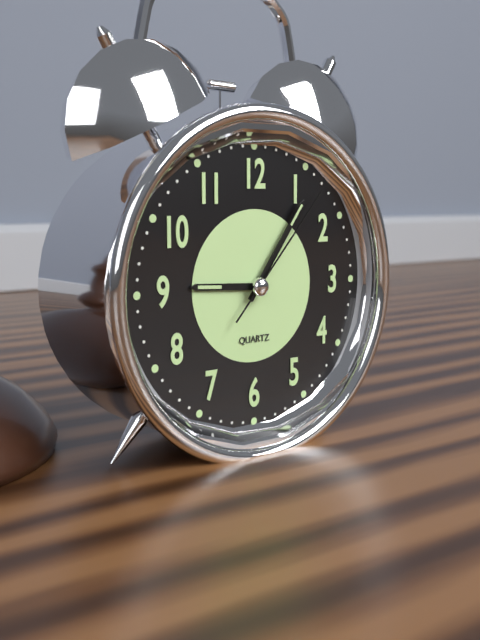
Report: 9 h 06 min 07 s
